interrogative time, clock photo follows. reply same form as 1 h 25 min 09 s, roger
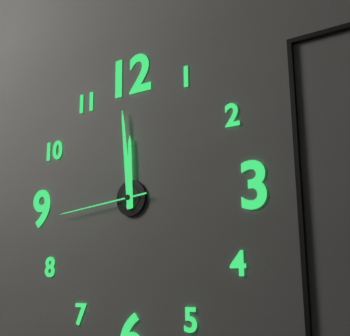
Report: 11 h 59 min 44 s
